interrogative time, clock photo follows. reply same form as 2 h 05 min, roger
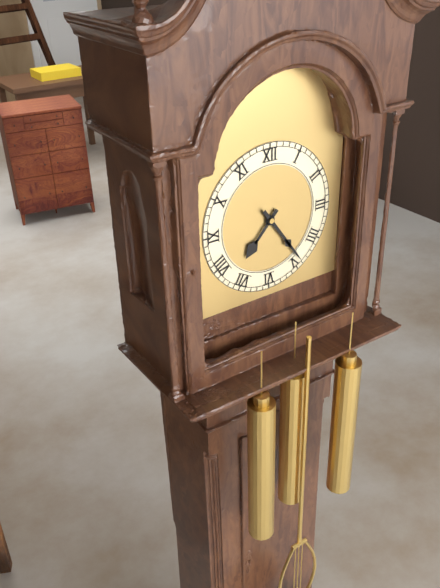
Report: 7 h 24 min
